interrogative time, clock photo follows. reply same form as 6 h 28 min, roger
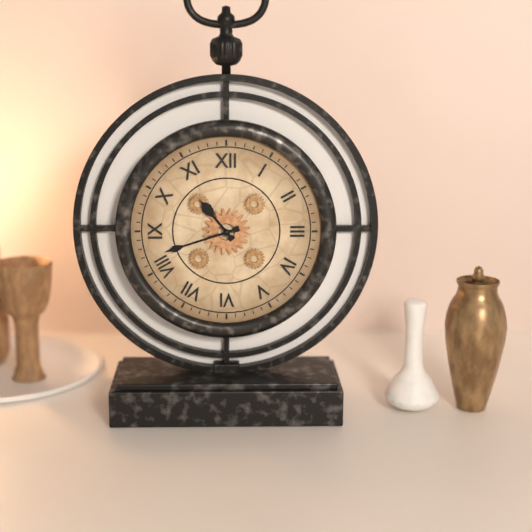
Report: 10 h 42 min
